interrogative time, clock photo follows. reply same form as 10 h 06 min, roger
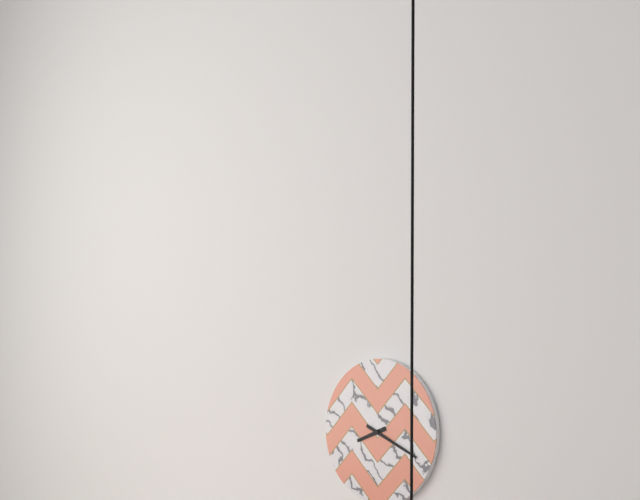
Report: 8 h 19 min
